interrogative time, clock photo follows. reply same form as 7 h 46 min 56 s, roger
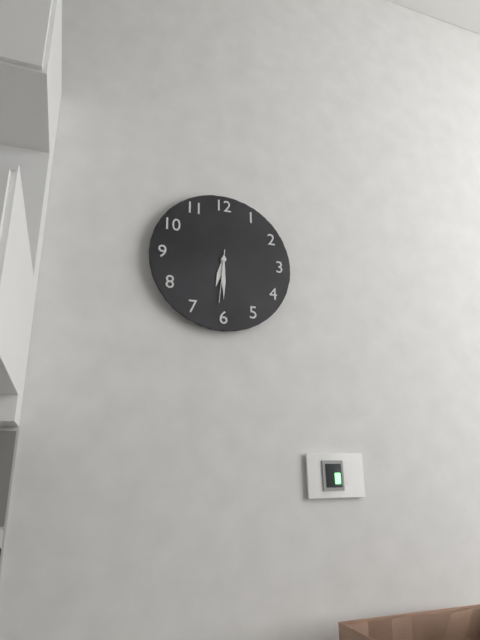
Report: 6 h 30 min 31 s
